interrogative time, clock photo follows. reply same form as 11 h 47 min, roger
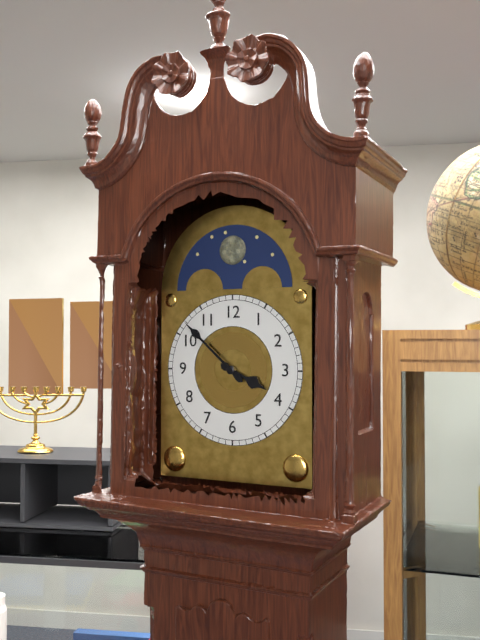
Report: 3 h 52 min
